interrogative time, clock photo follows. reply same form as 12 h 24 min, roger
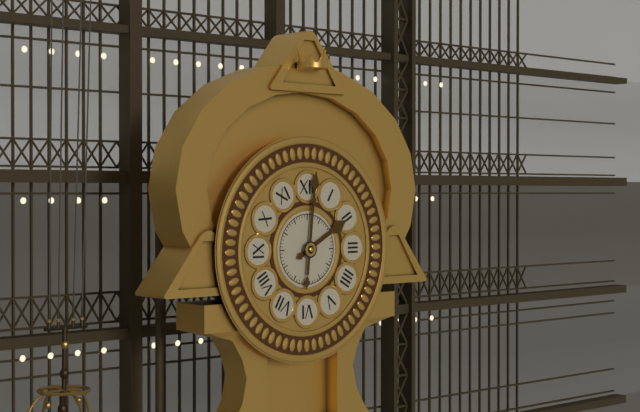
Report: 2 h 01 min
